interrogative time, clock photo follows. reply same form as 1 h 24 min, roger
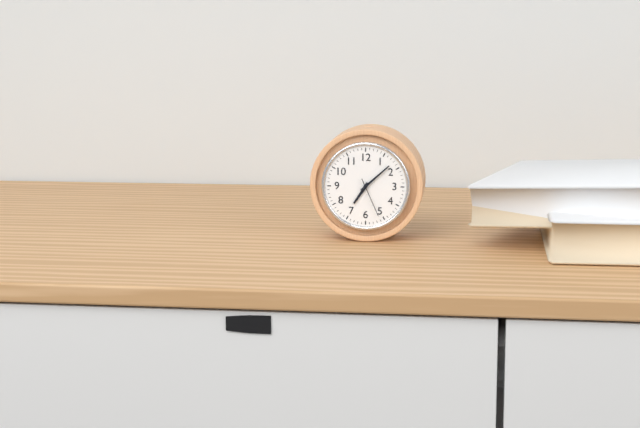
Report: 7 h 08 min
